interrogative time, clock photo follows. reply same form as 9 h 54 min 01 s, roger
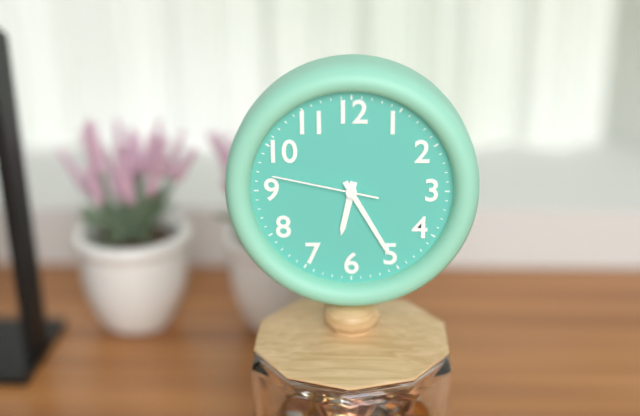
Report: 6 h 25 min 47 s
